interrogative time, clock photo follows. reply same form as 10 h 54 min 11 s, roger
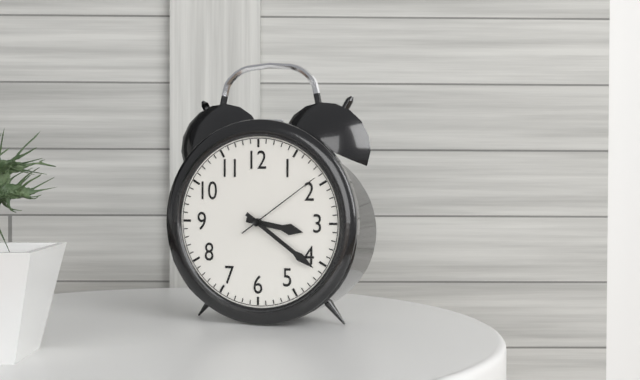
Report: 3 h 21 min 09 s
